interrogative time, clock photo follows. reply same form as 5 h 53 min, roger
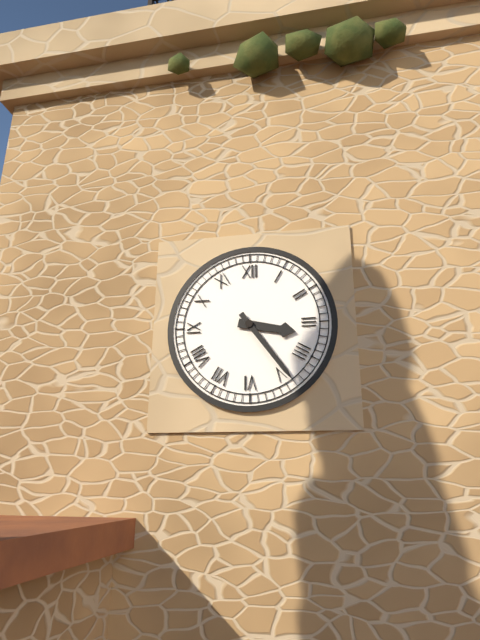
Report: 3 h 24 min
